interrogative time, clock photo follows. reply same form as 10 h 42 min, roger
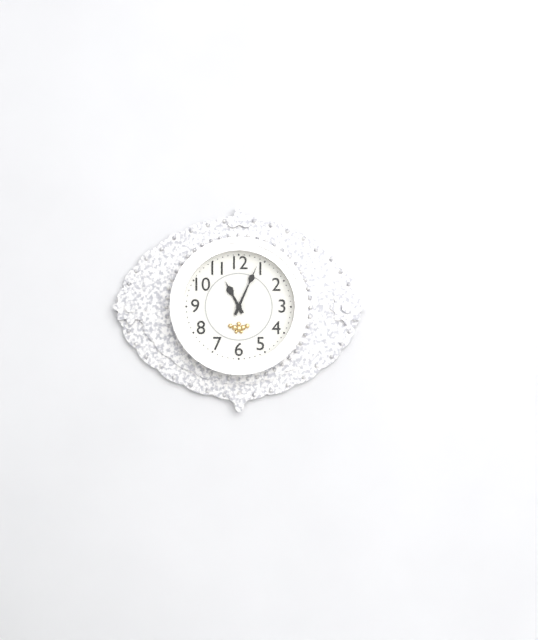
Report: 11 h 04 min
